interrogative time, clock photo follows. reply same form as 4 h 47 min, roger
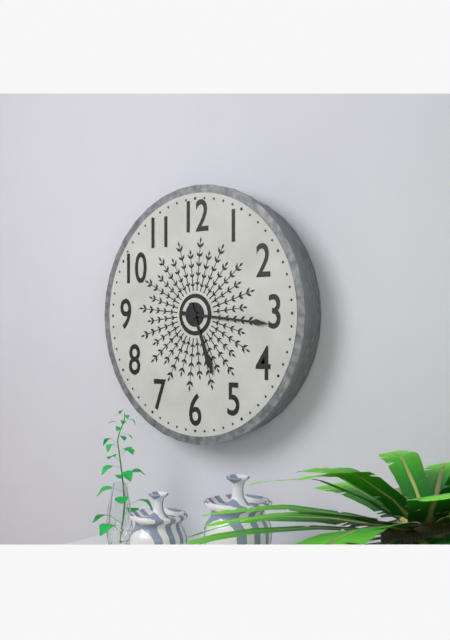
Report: 5 h 16 min
